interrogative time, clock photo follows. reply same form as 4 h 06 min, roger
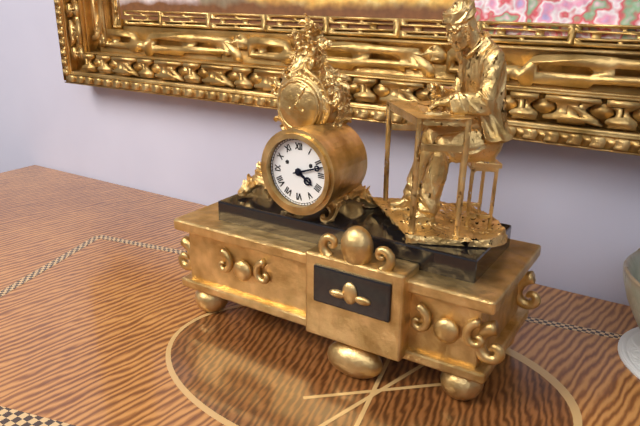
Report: 4 h 12 min
